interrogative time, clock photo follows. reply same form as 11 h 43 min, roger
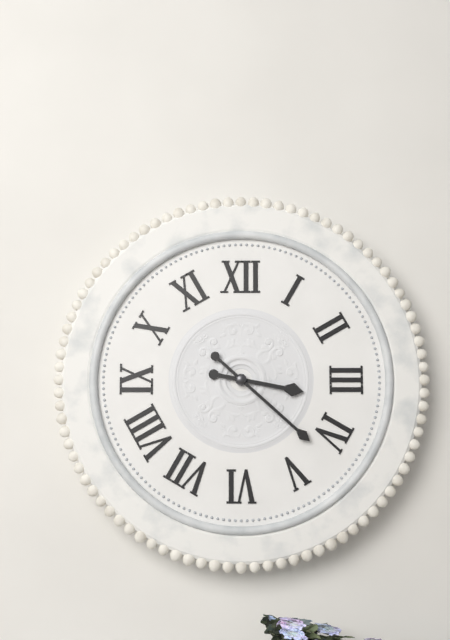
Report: 3 h 22 min
